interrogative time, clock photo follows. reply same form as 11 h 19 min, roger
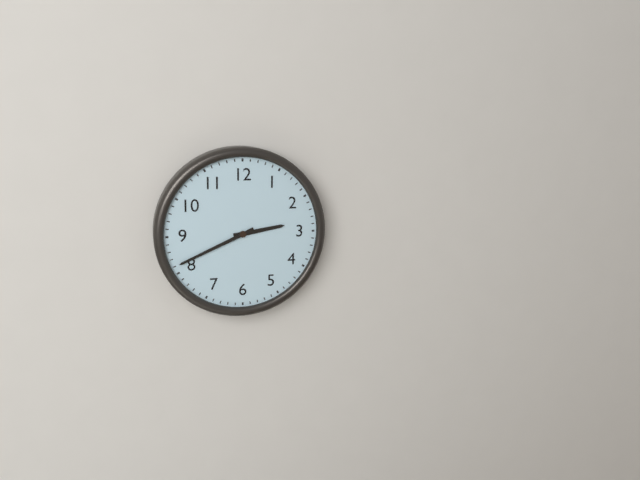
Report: 2 h 41 min
